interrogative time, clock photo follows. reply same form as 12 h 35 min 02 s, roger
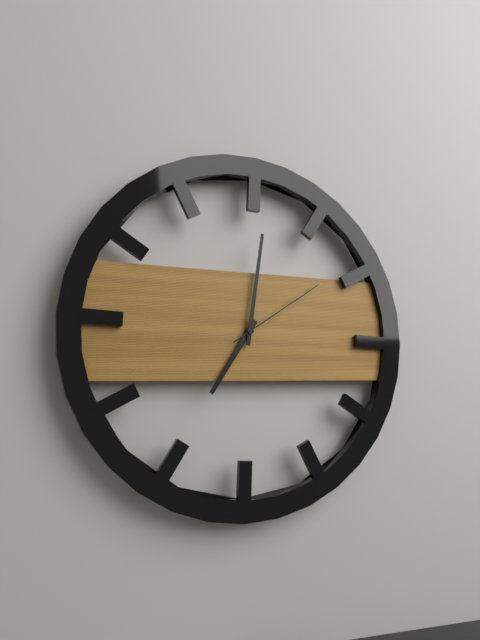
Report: 7 h 01 min 09 s
